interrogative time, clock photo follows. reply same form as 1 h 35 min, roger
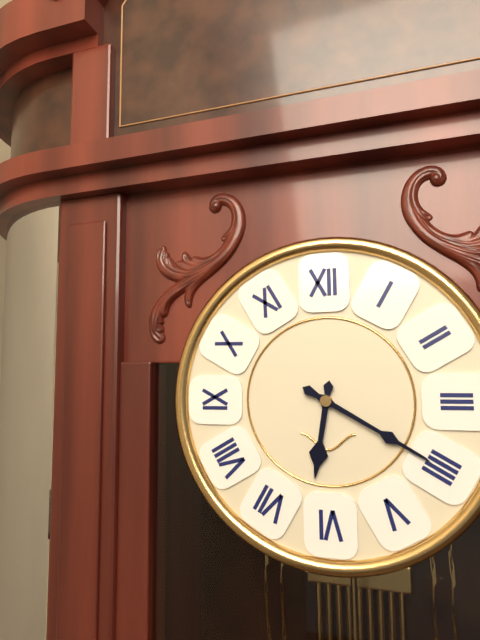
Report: 6 h 20 min
